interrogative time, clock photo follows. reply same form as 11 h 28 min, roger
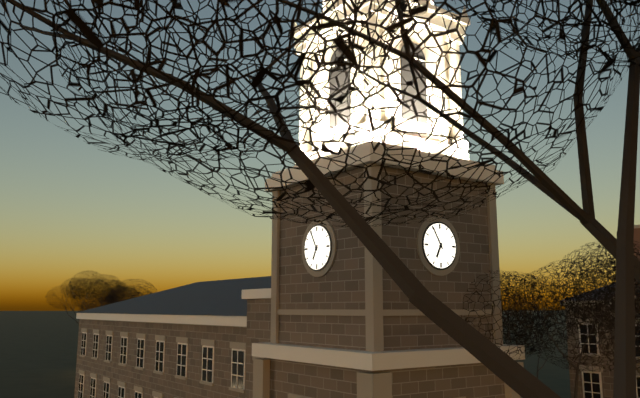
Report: 6 h 55 min
